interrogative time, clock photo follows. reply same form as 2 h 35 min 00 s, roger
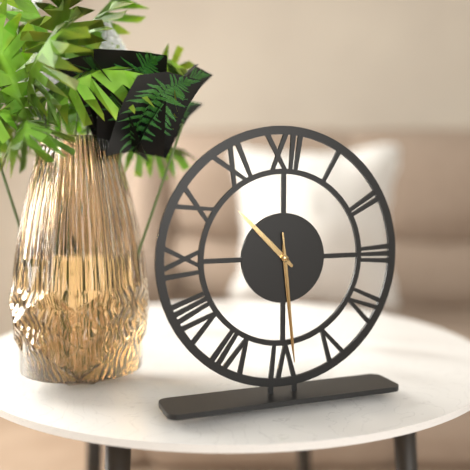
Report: 10 h 29 min 29 s
